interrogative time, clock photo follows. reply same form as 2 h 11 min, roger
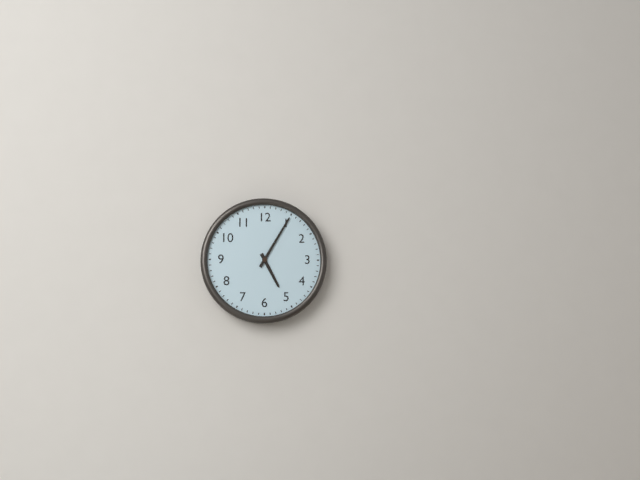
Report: 5 h 05 min
